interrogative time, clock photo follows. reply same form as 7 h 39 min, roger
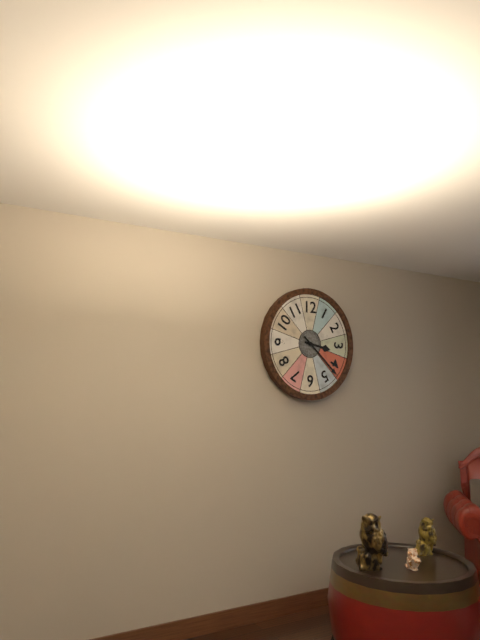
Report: 3 h 22 min
